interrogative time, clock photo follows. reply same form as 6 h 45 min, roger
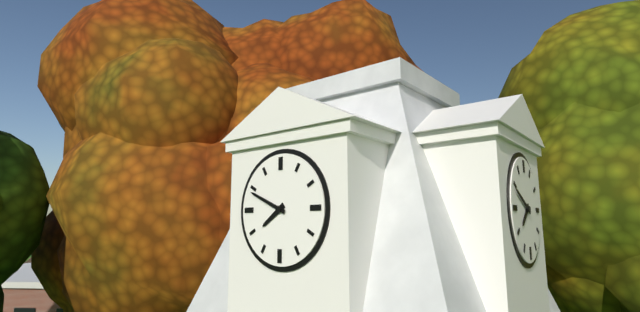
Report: 7 h 49 min
